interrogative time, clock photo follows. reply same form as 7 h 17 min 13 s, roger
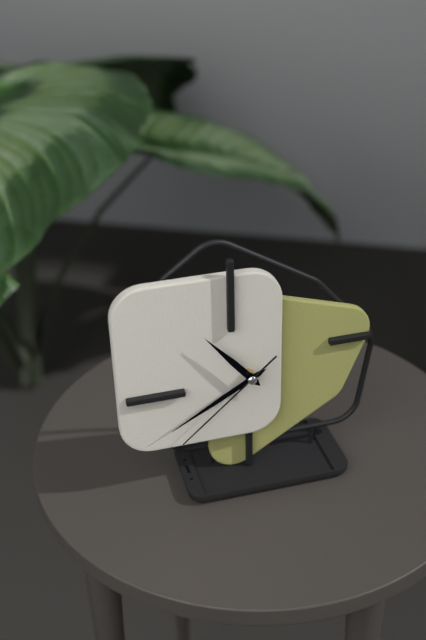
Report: 10 h 40 min 38 s
